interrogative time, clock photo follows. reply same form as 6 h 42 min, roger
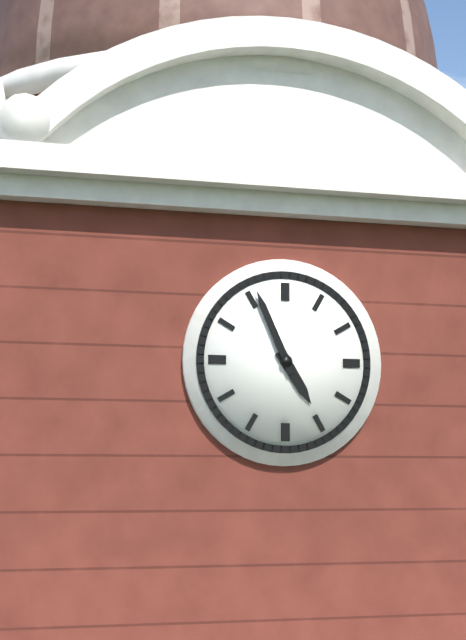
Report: 4 h 56 min
